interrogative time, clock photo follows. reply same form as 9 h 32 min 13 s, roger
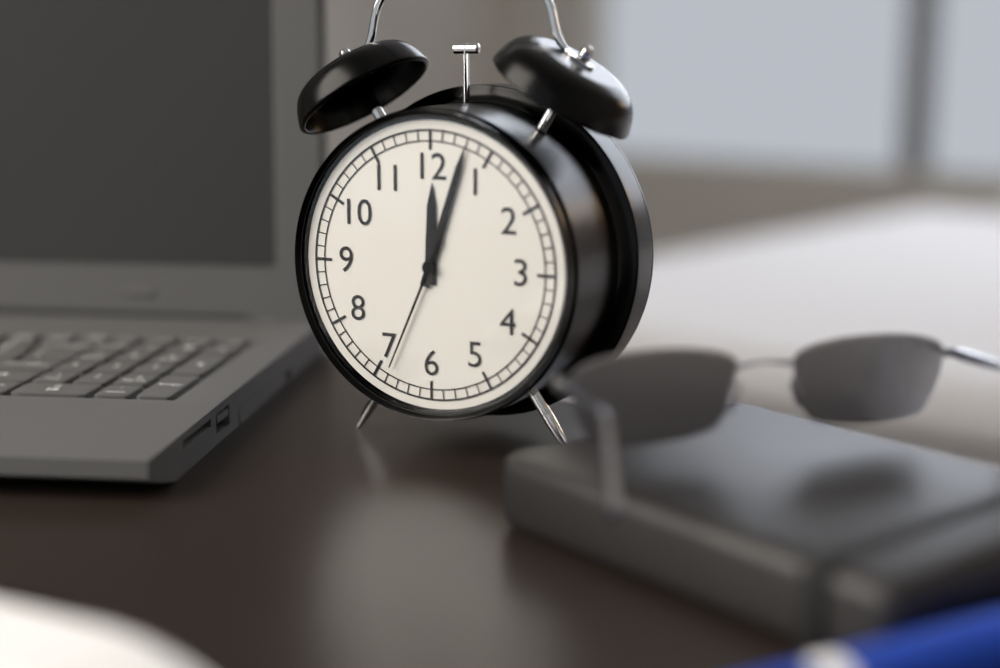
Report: 12 h 03 min 34 s
